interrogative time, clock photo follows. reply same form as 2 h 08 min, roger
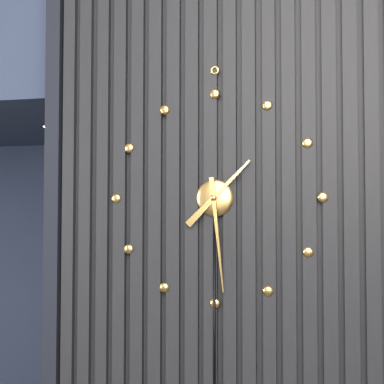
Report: 1 h 29 min
